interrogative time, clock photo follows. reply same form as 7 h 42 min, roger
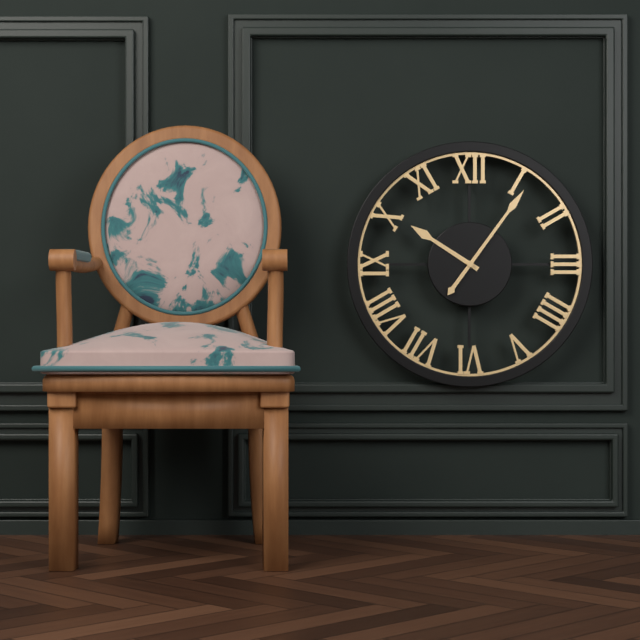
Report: 10 h 06 min
